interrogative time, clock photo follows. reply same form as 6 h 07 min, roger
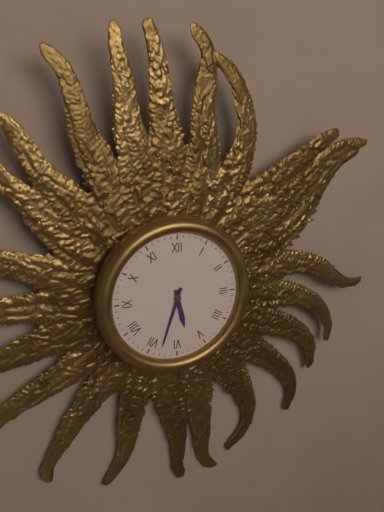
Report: 5 h 33 min
